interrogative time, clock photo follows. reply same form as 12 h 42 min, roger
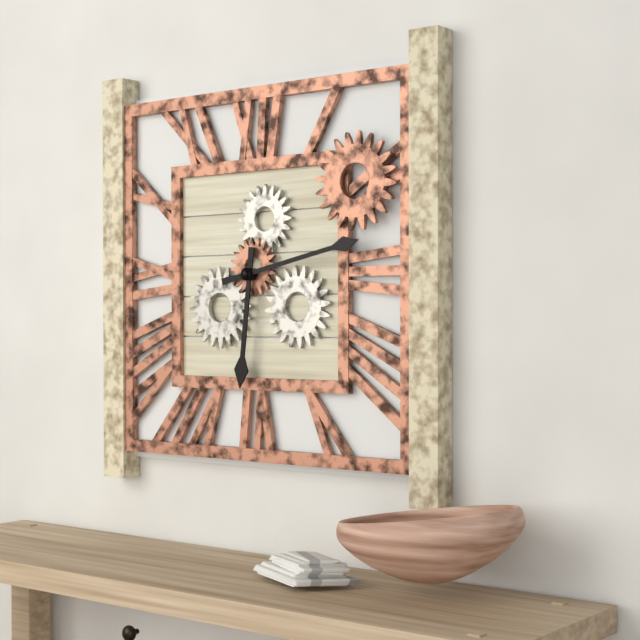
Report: 6 h 13 min
